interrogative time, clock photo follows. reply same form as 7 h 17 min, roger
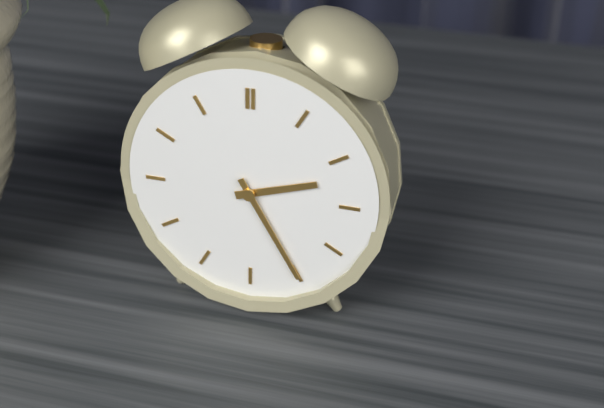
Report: 2 h 25 min
